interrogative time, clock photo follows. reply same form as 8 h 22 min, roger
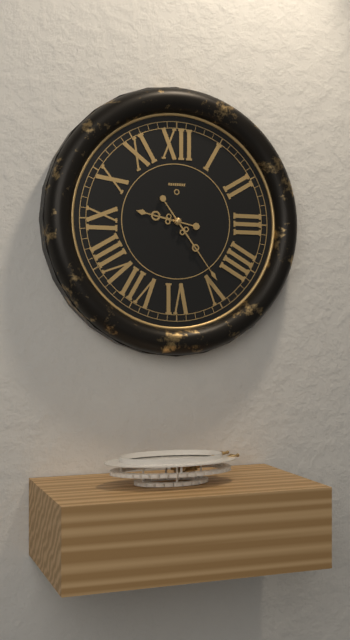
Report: 9 h 24 min
